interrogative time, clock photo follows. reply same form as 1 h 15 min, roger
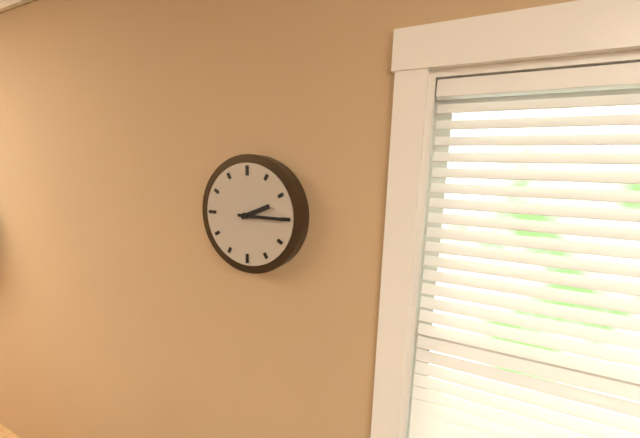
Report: 2 h 15 min
